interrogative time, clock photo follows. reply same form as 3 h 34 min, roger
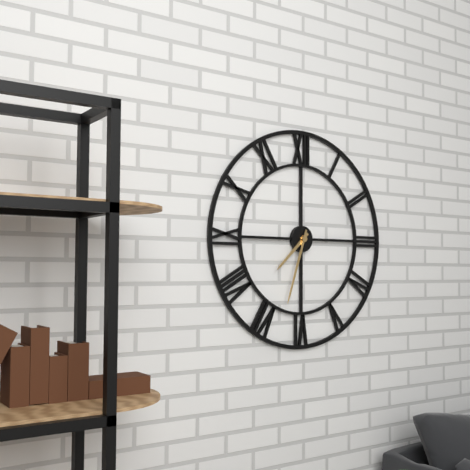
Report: 7 h 33 min
